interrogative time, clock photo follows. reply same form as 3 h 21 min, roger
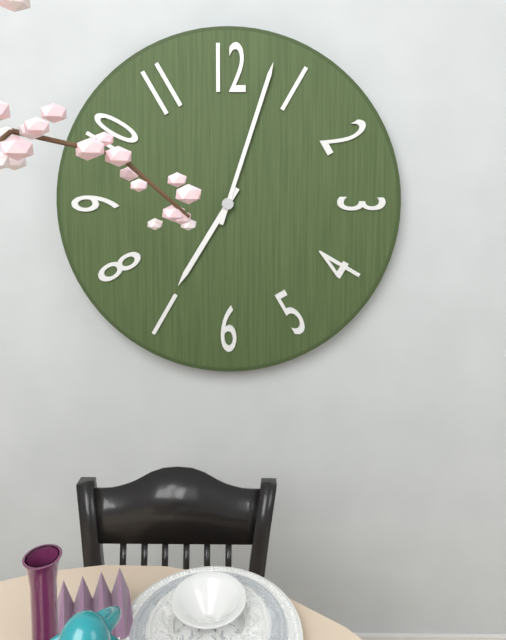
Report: 7 h 03 min
